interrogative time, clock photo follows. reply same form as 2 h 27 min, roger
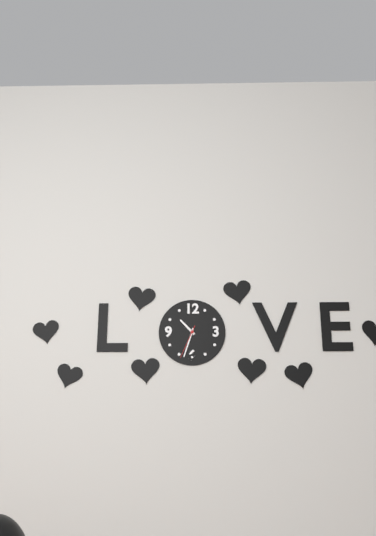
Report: 10 h 33 min
